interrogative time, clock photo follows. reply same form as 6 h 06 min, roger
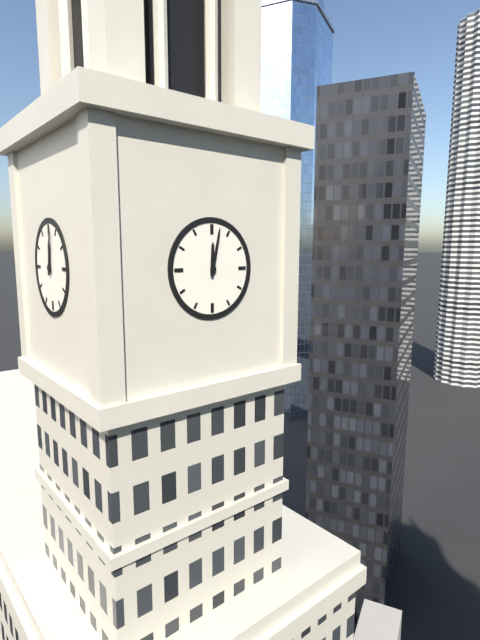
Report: 12 h 02 min
